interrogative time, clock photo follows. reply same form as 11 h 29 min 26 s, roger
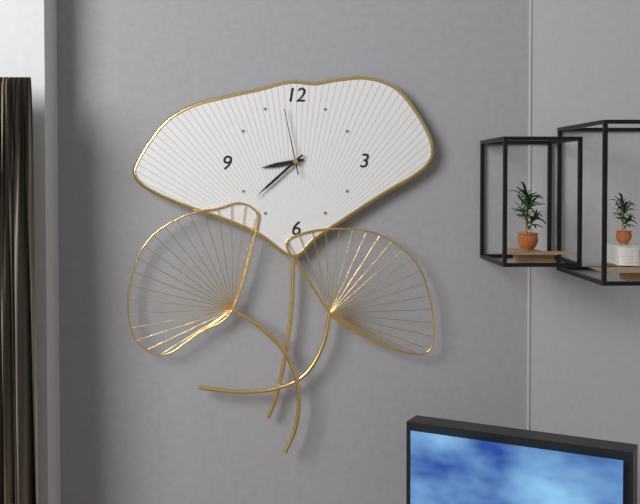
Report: 8 h 38 min 58 s
